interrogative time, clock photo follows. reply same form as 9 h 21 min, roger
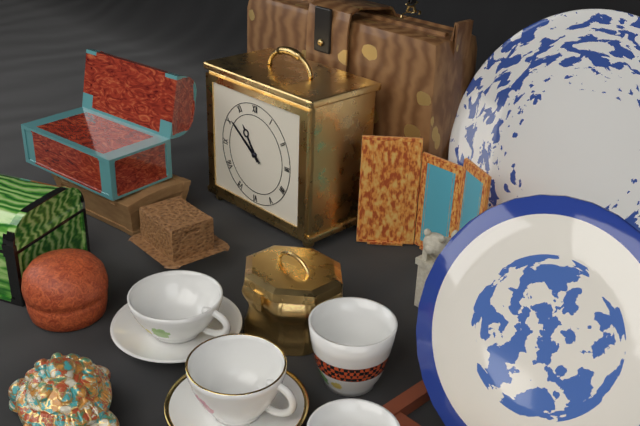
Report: 10 h 51 min
